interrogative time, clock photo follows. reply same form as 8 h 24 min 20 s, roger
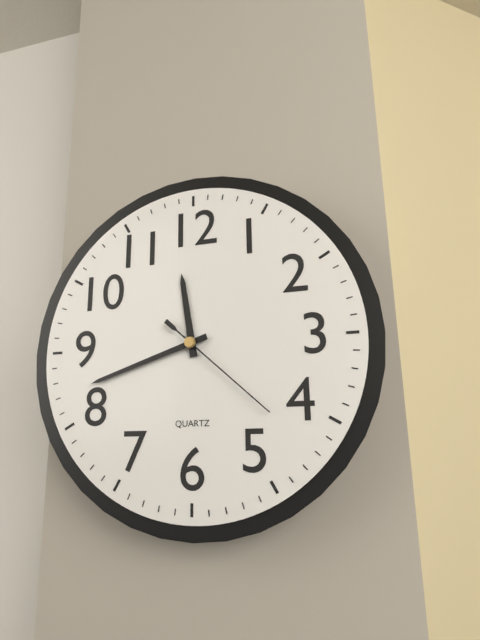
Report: 11 h 42 min 22 s
